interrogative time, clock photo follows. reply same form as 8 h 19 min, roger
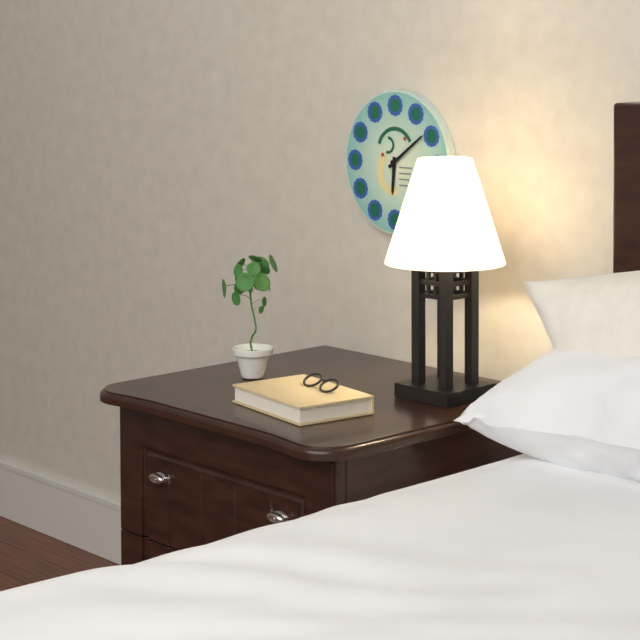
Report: 6 h 09 min
